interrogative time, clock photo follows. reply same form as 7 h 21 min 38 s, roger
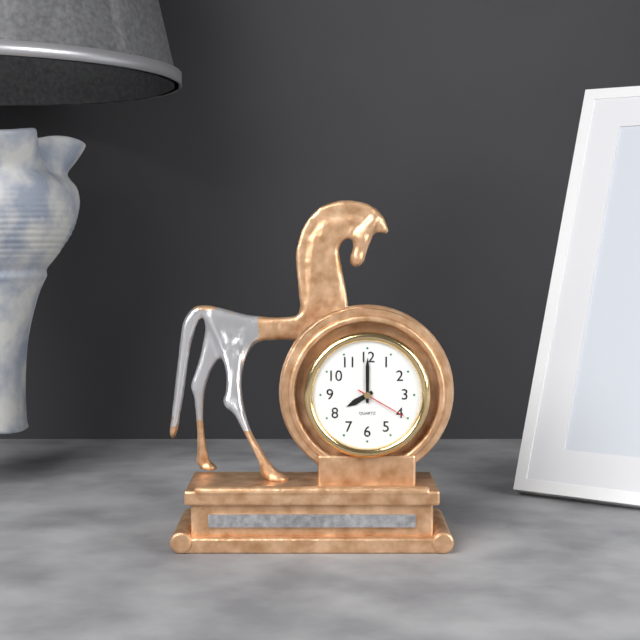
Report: 8 h 00 min 20 s
